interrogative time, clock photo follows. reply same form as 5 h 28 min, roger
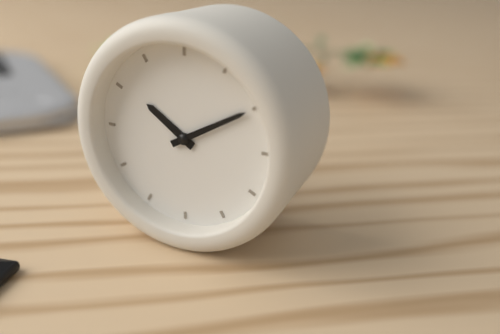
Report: 10 h 10 min
